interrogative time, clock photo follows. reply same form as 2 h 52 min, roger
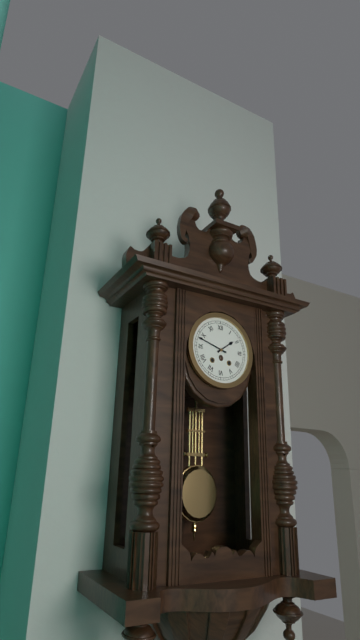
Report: 1 h 48 min
